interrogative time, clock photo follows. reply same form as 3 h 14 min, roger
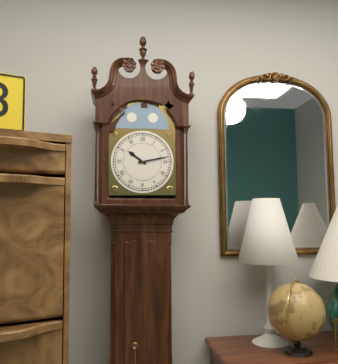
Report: 10 h 13 min
